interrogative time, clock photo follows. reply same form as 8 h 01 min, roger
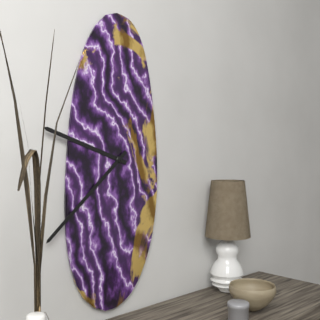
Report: 9 h 38 min
